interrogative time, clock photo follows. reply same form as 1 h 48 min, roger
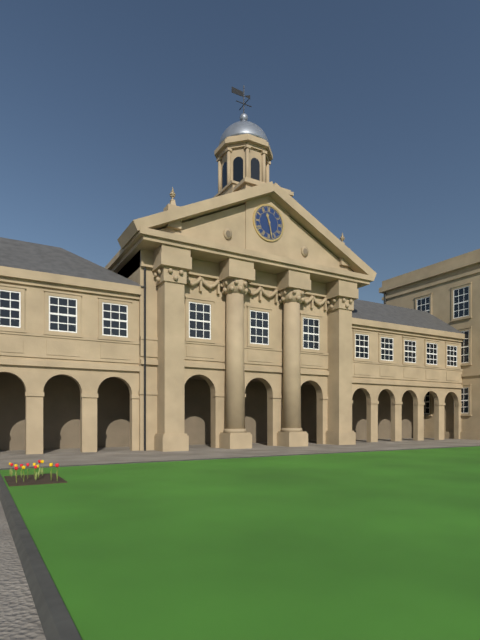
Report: 11 h 28 min
